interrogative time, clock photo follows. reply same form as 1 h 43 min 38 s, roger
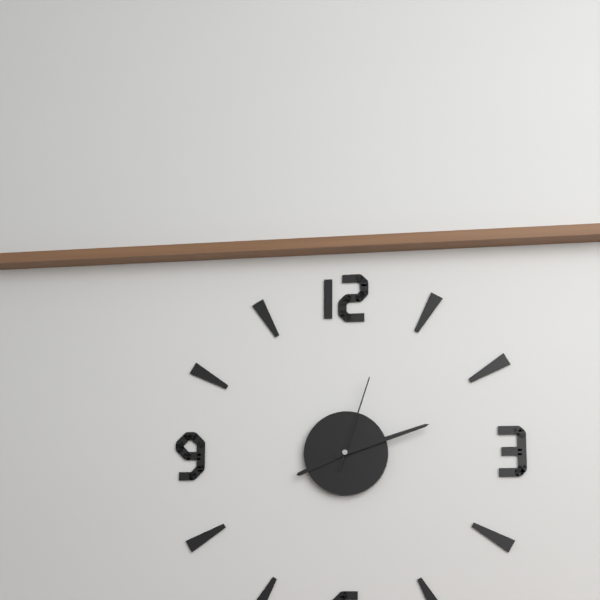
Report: 8 h 12 min 03 s
